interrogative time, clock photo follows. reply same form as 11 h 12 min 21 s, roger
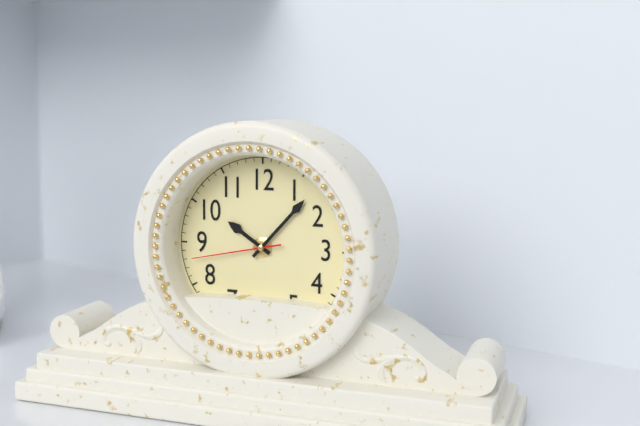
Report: 10 h 07 min 43 s
